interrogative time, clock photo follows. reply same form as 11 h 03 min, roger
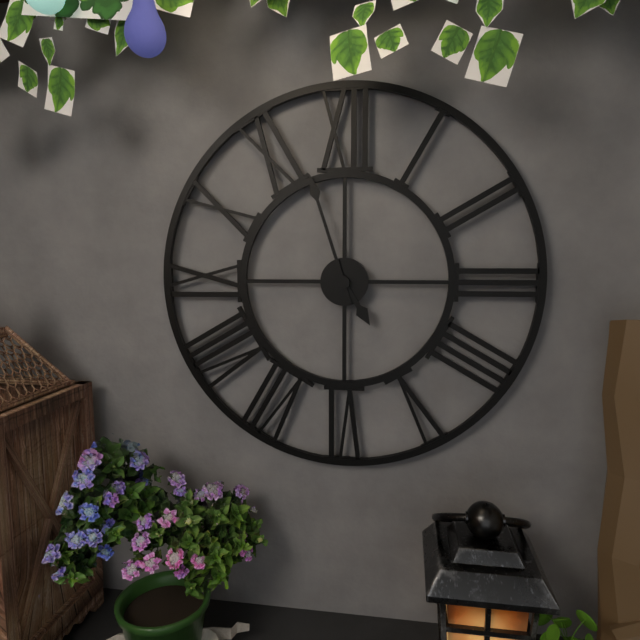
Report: 4 h 57 min
